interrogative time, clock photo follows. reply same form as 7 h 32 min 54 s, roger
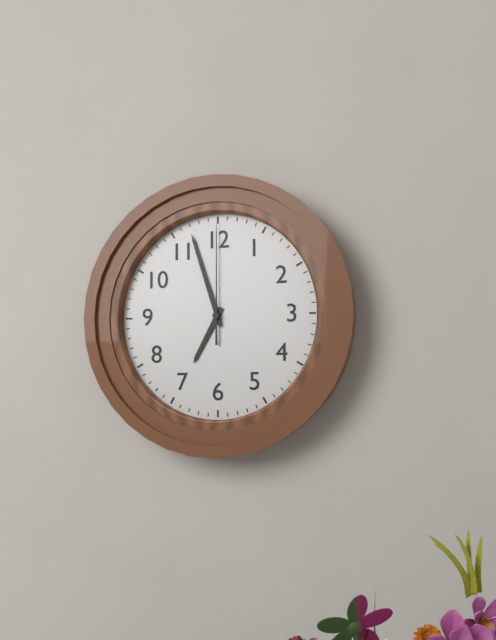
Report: 6 h 57 min 00 s
